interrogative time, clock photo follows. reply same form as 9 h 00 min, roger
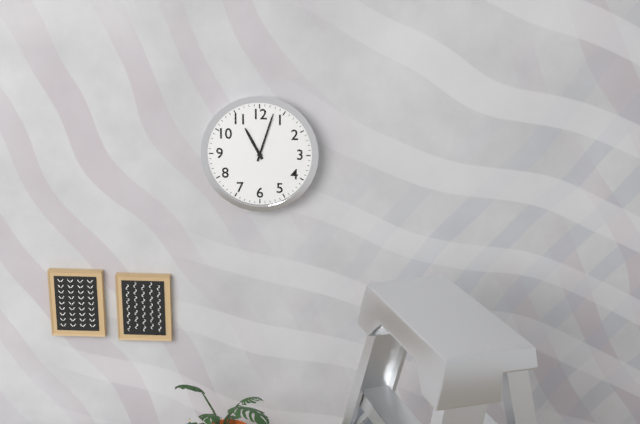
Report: 11 h 03 min
